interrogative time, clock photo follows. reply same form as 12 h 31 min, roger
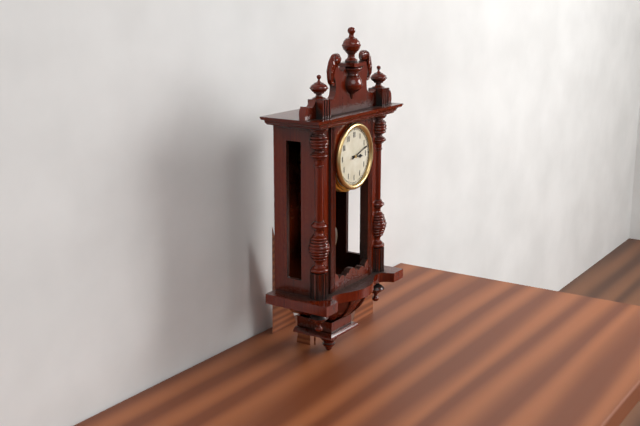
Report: 3 h 12 min
